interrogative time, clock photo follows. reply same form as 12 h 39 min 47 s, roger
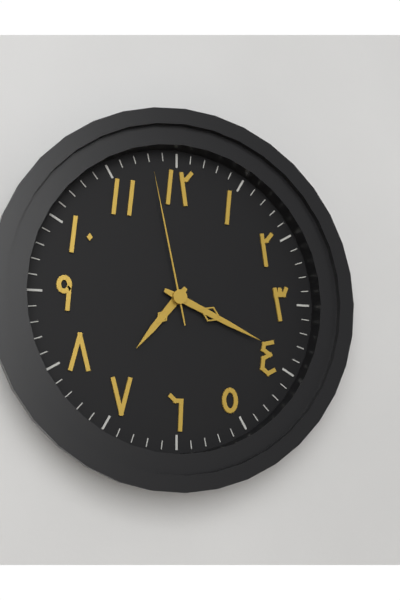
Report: 7 h 19 min 58 s
